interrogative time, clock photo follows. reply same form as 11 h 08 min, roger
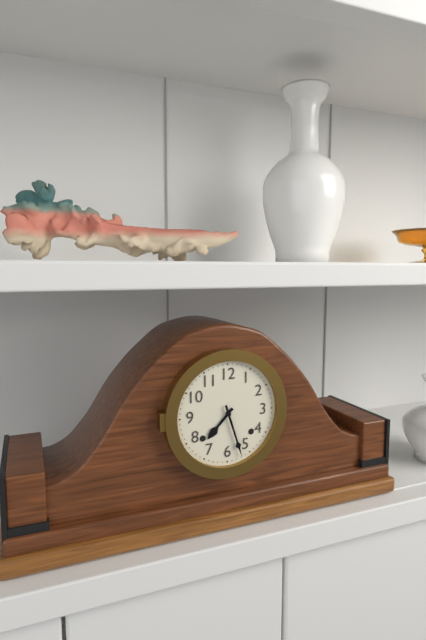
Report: 7 h 27 min
